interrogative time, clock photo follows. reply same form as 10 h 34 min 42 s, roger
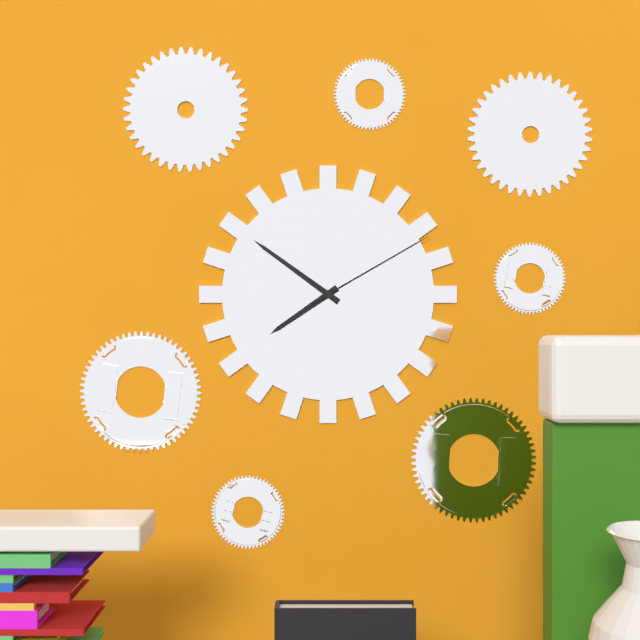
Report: 7 h 51 min 10 s
